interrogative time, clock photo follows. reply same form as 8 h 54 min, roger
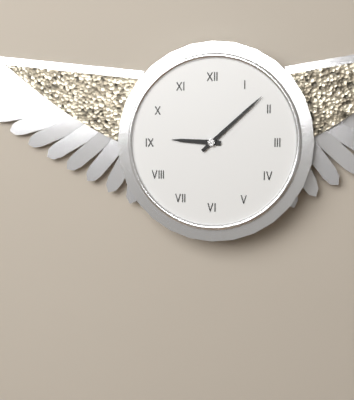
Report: 9 h 08 min
